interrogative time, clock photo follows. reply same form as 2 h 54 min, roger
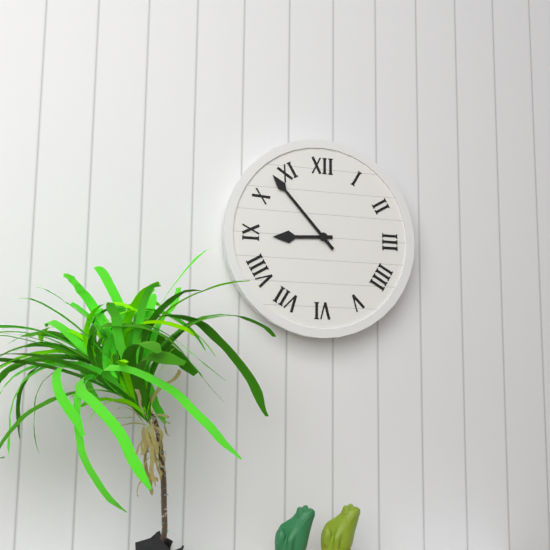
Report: 8 h 53 min
